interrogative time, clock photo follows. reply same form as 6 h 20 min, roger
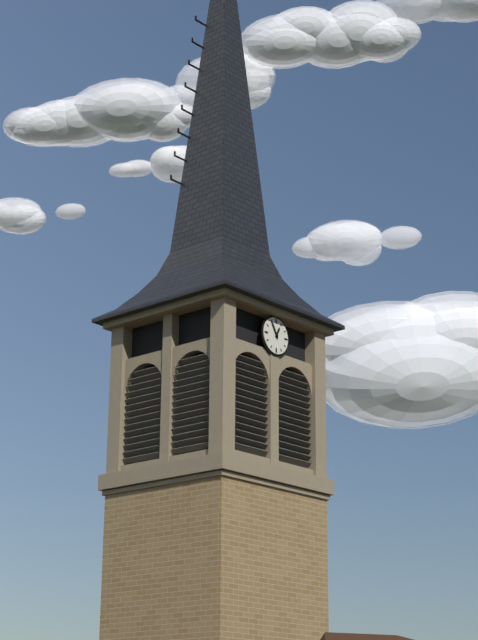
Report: 12 h 55 min
